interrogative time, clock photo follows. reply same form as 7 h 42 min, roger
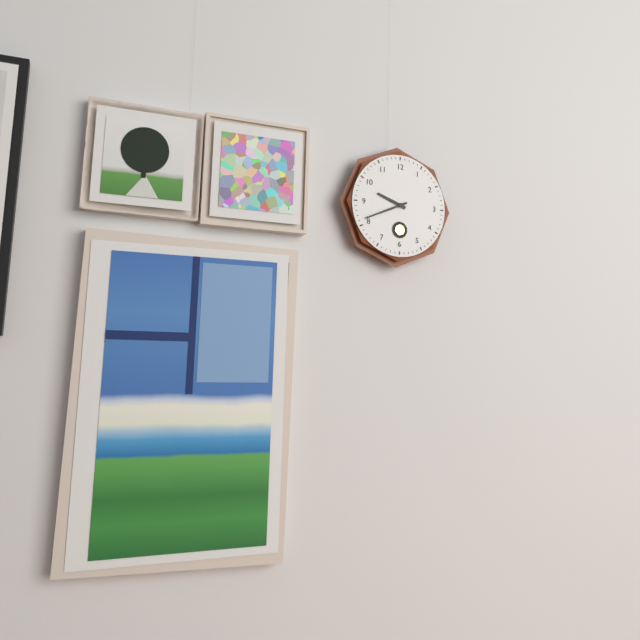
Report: 9 h 41 min
